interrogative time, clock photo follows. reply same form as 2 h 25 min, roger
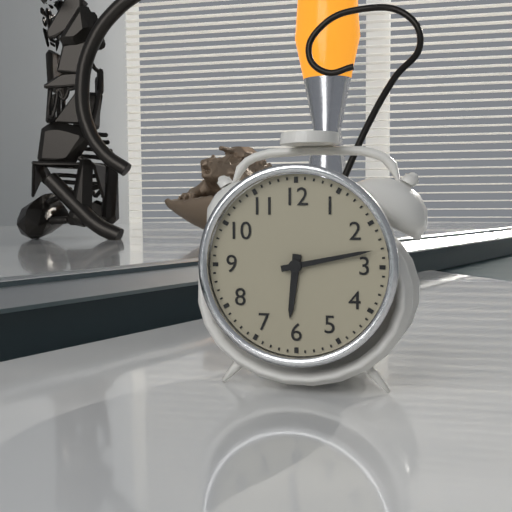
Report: 6 h 13 min
